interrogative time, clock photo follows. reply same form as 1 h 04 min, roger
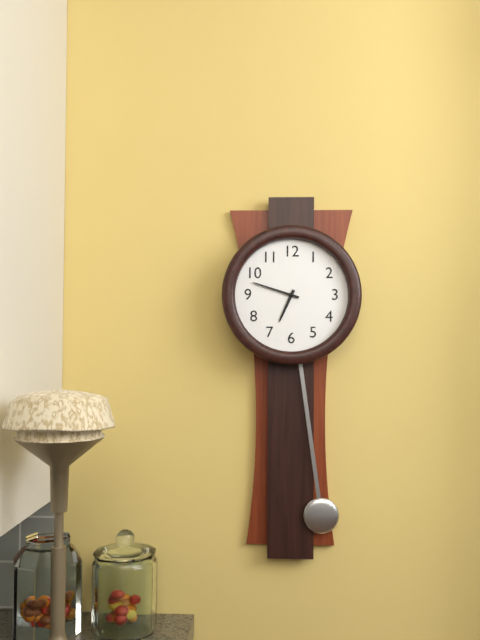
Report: 6 h 48 min
